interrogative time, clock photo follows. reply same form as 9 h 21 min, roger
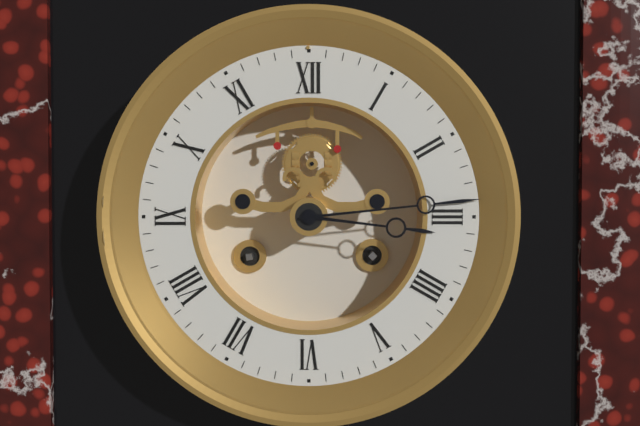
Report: 3 h 14 min
